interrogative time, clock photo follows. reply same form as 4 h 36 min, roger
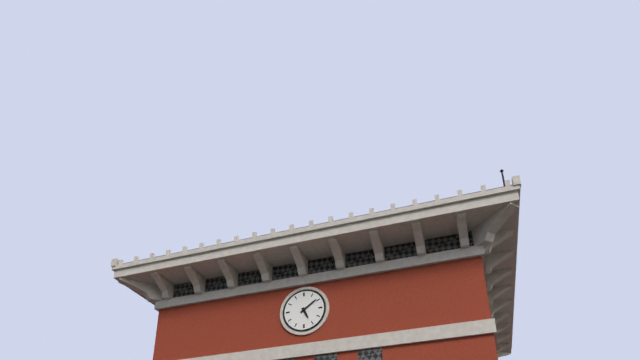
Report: 5 h 09 min
